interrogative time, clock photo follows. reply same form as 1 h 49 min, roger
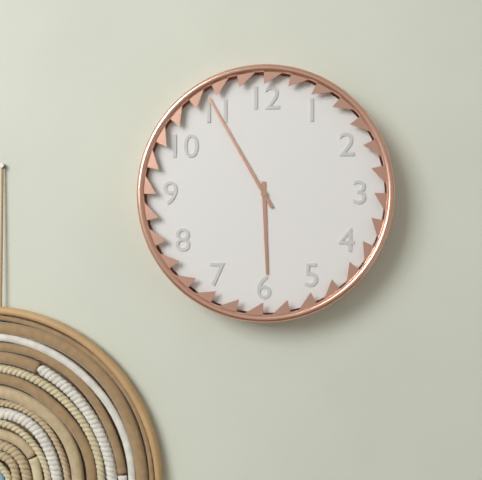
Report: 5 h 55 min
